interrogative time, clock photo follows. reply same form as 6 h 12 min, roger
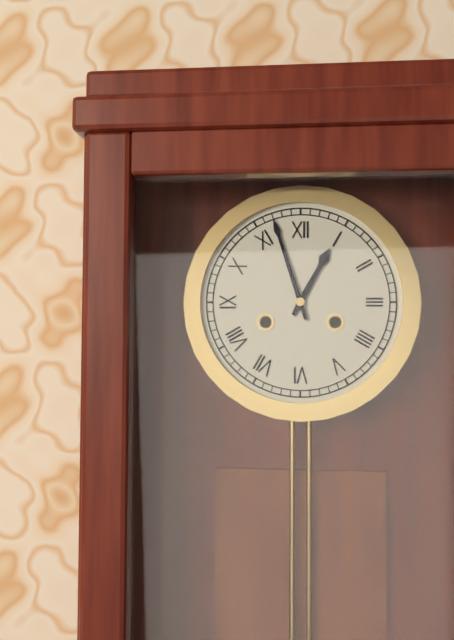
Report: 12 h 57 min
